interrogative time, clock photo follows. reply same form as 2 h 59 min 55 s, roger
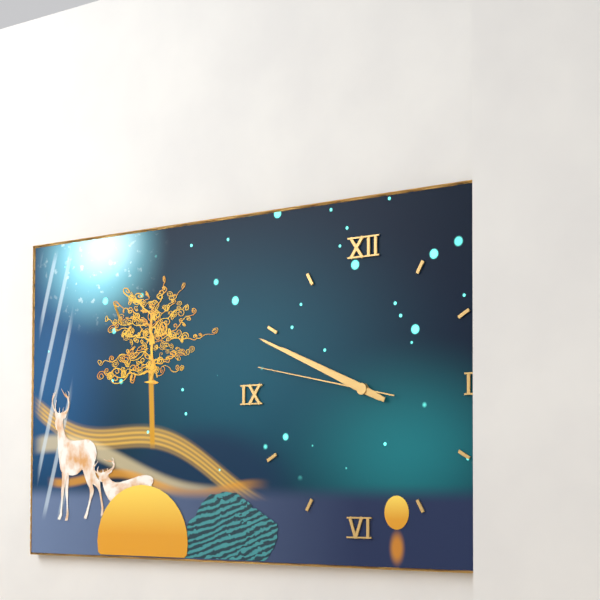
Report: 9 h 49 min 47 s
